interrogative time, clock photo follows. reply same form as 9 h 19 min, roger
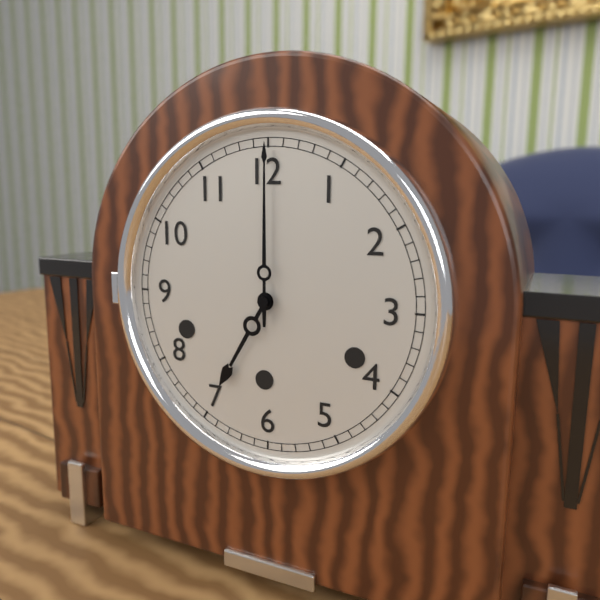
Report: 7 h 00 min
